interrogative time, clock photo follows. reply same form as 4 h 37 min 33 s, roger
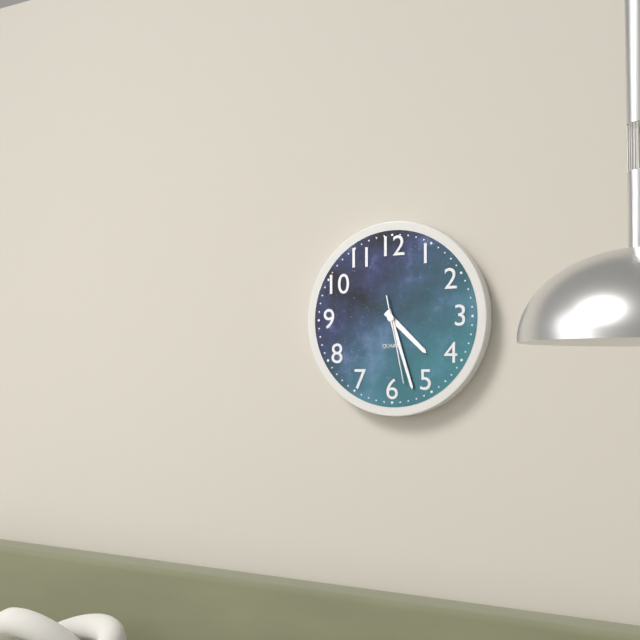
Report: 4 h 27 min 28 s
